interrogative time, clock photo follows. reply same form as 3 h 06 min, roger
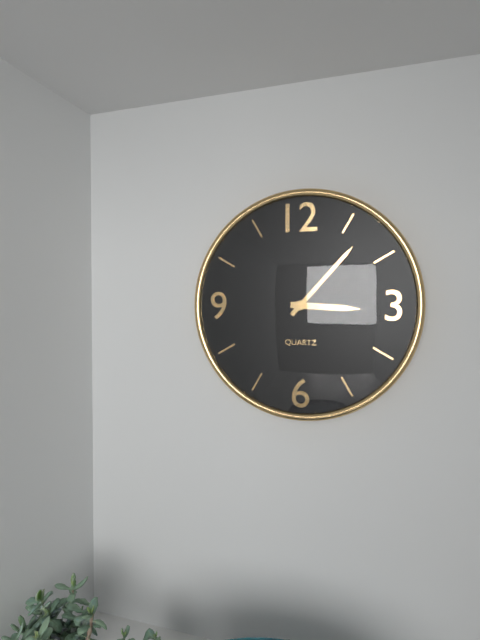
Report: 3 h 07 min
